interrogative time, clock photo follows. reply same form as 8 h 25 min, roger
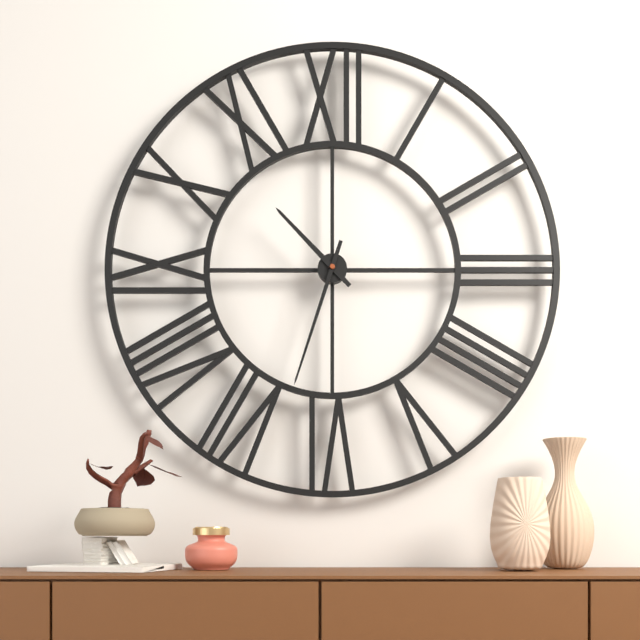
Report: 10 h 33 min
